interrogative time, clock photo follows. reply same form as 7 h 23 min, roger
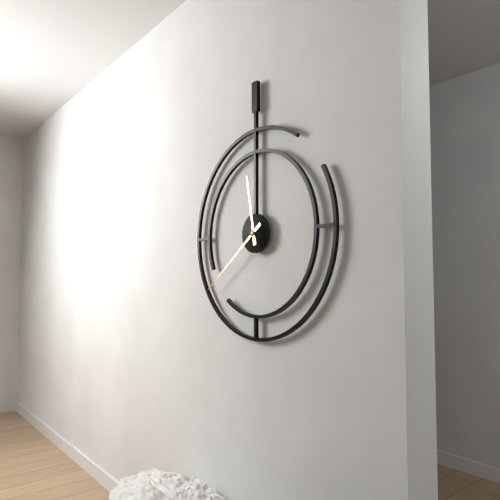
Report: 11 h 39 min
